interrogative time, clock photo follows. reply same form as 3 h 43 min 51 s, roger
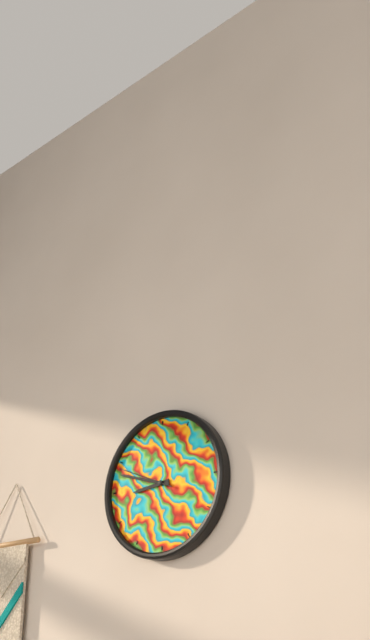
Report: 8 h 48 min 49 s
